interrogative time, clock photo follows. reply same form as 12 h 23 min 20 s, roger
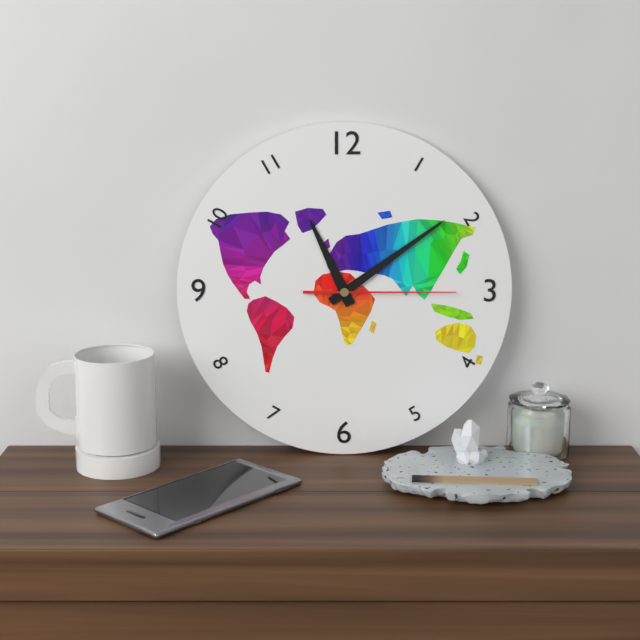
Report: 11 h 09 min 15 s
